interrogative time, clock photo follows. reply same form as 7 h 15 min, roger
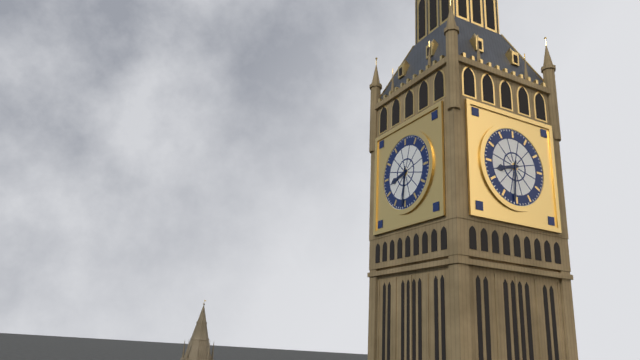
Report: 8 h 31 min
